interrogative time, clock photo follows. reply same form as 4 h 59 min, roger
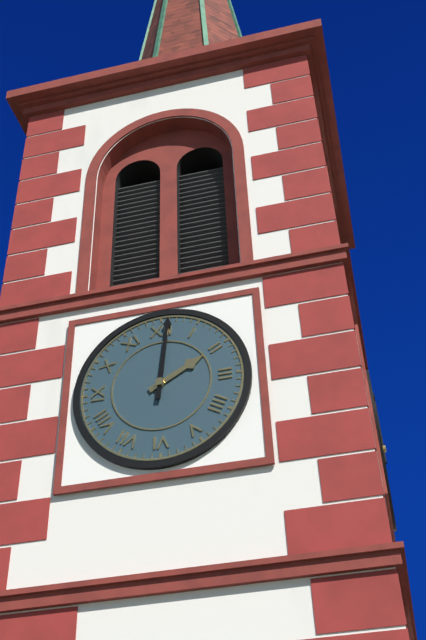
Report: 2 h 01 min
